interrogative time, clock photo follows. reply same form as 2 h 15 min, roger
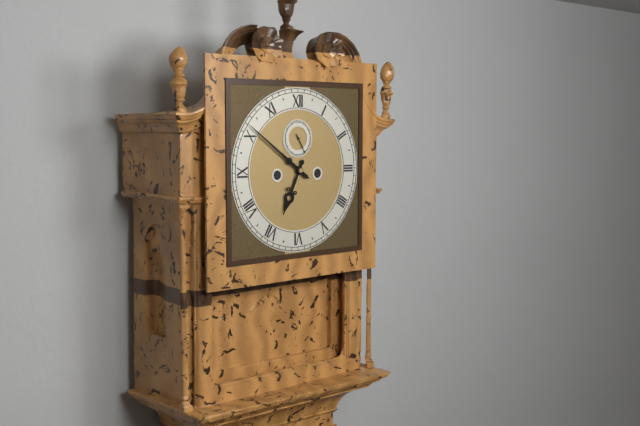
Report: 6 h 51 min
